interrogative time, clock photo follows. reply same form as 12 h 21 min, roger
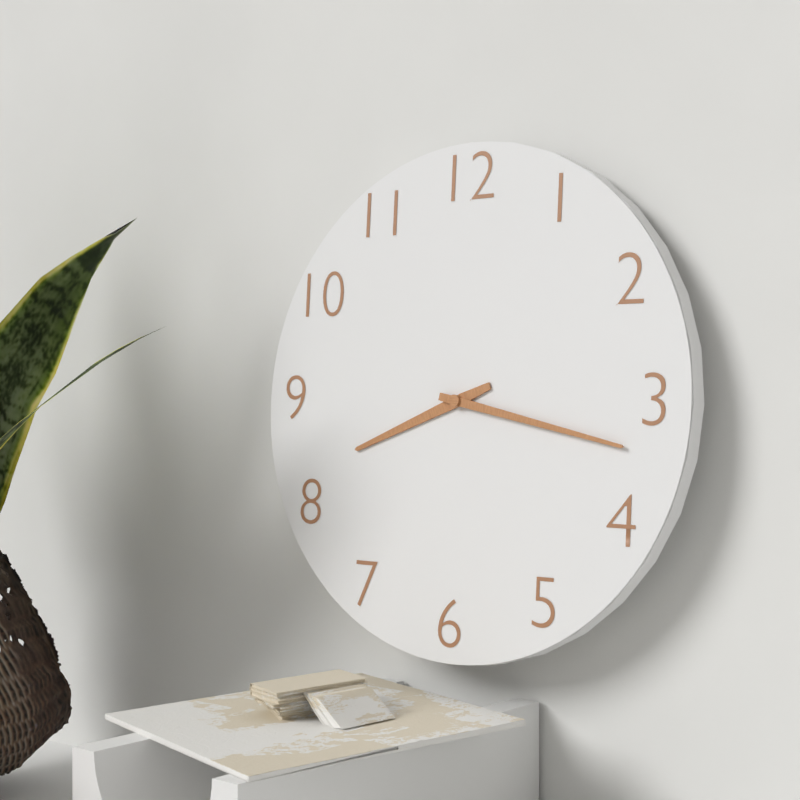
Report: 8 h 17 min
